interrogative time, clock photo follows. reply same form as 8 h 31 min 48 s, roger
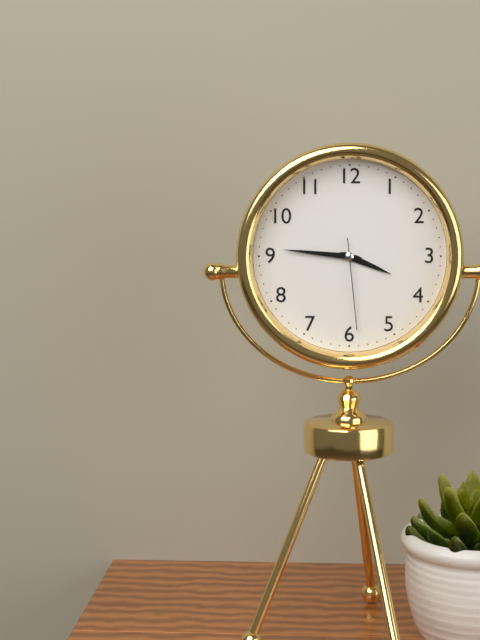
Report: 3 h 46 min 29 s
